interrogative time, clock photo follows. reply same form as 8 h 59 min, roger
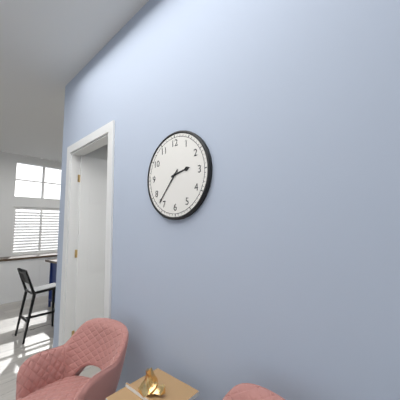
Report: 2 h 37 min
